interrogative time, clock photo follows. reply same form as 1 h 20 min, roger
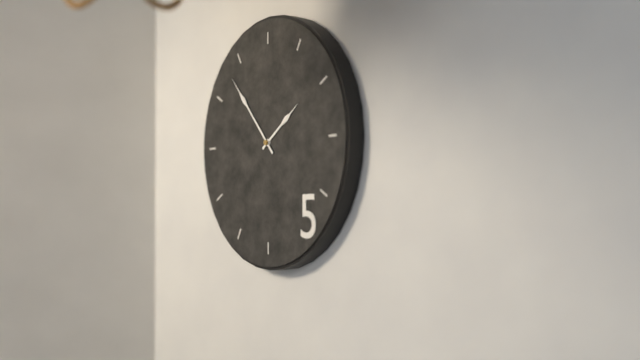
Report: 1 h 53 min
